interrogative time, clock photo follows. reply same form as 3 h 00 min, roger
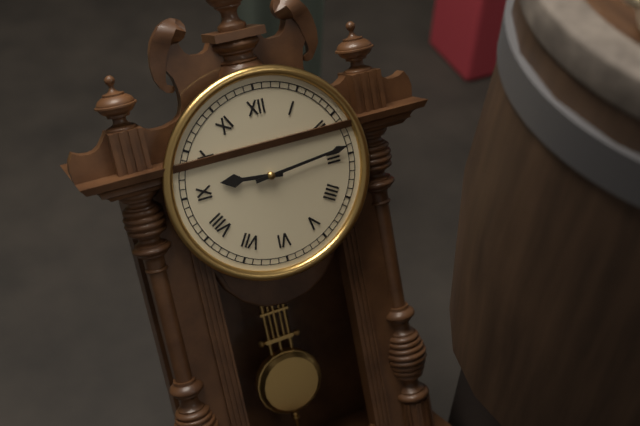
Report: 9 h 14 min
